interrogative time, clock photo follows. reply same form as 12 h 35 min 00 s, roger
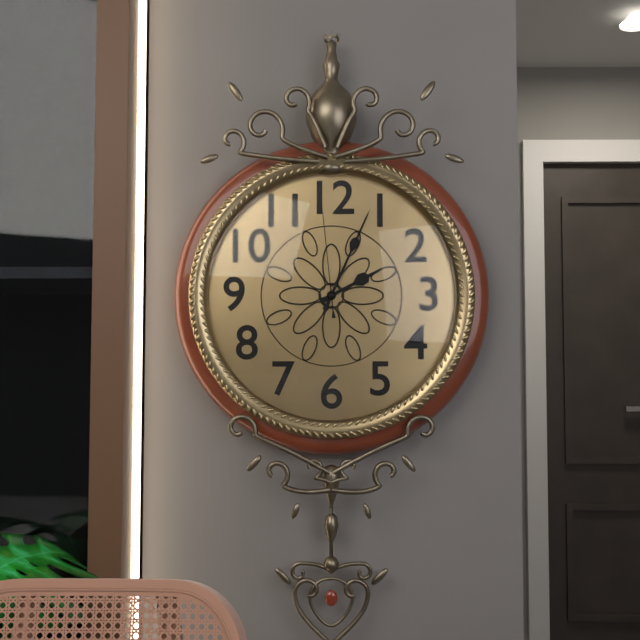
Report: 2 h 04 min 59 s
